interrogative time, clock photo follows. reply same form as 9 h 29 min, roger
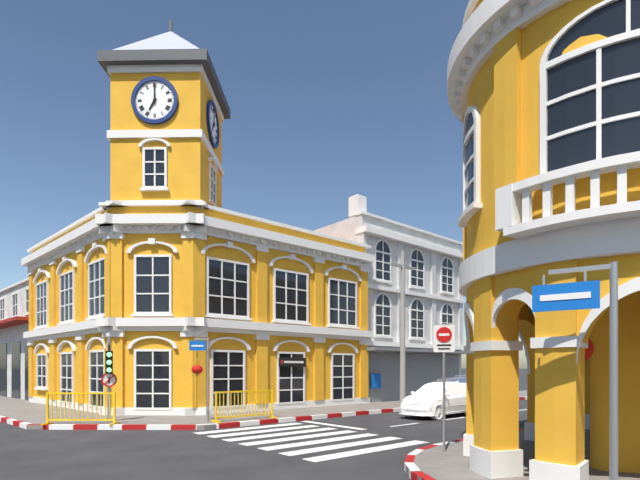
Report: 7 h 00 min
